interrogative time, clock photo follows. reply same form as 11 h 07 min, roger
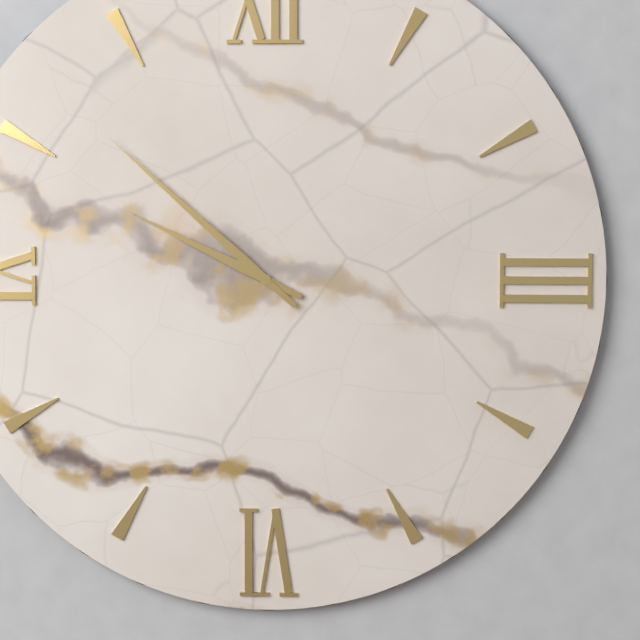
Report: 9 h 52 min
